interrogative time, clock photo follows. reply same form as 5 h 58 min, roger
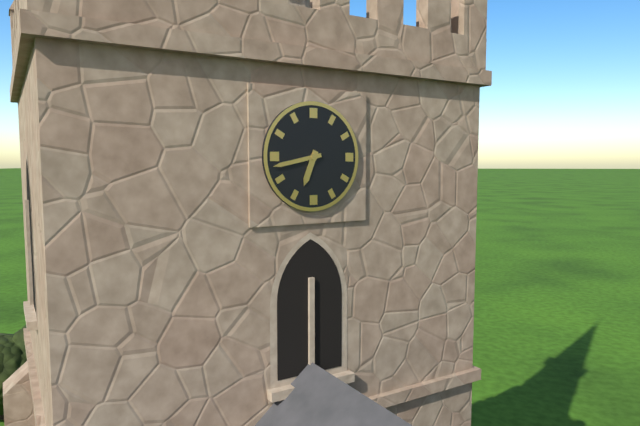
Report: 6 h 43 min
